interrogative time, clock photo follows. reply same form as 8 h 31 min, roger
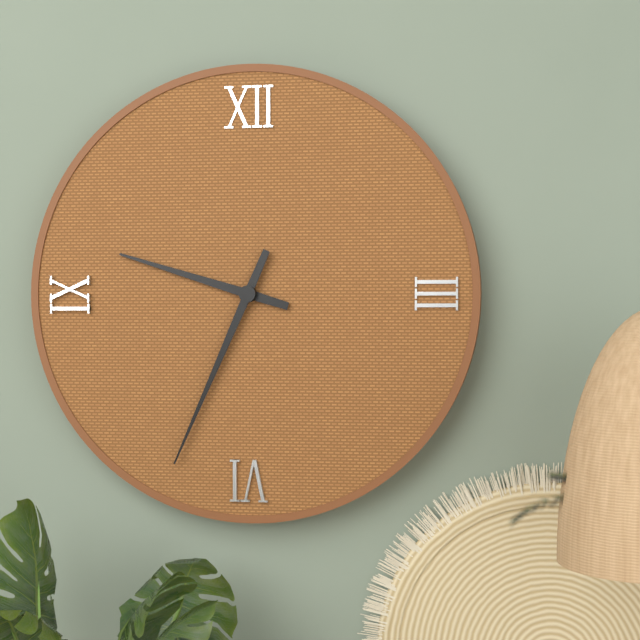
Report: 9 h 34 min
